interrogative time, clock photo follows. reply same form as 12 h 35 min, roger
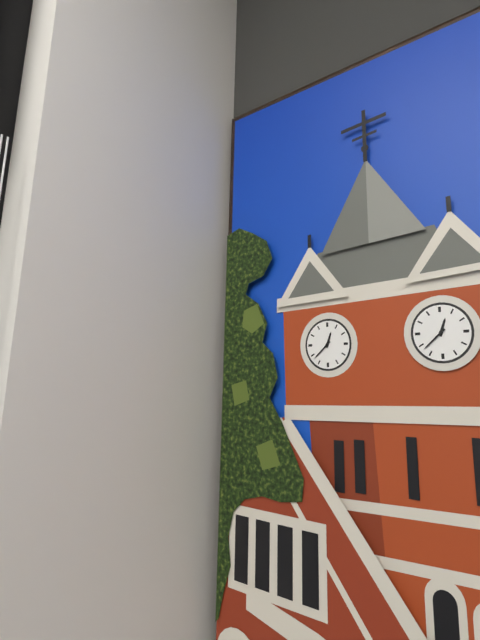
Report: 12 h 38 min
